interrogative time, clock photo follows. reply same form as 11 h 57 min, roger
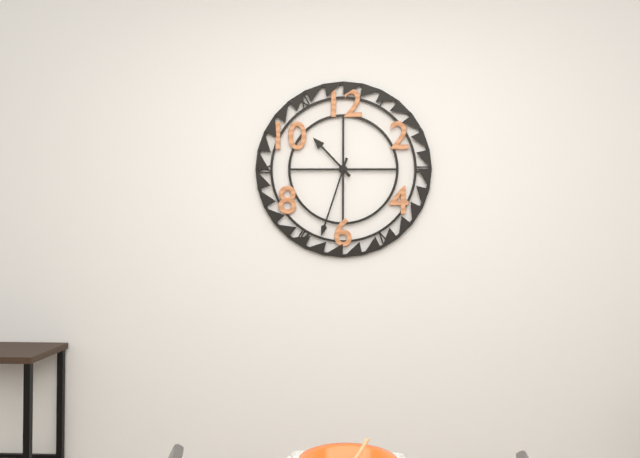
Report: 10 h 33 min
